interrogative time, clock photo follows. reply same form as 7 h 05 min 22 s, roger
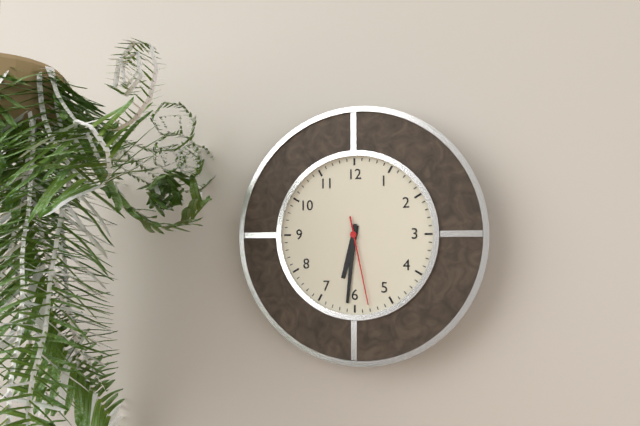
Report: 6 h 31 min 28 s
